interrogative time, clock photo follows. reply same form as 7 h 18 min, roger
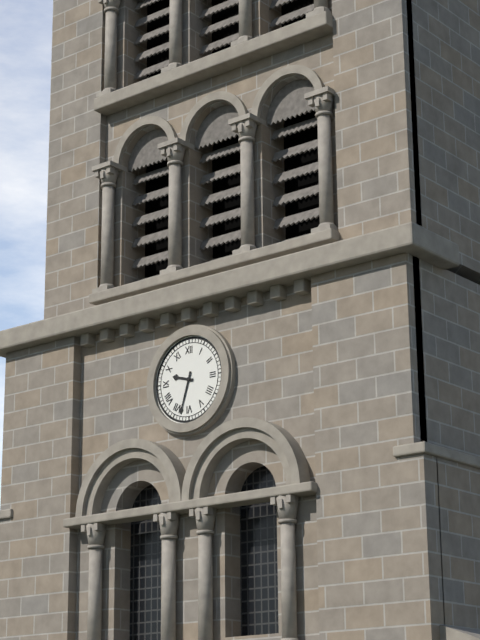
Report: 9 h 33 min
